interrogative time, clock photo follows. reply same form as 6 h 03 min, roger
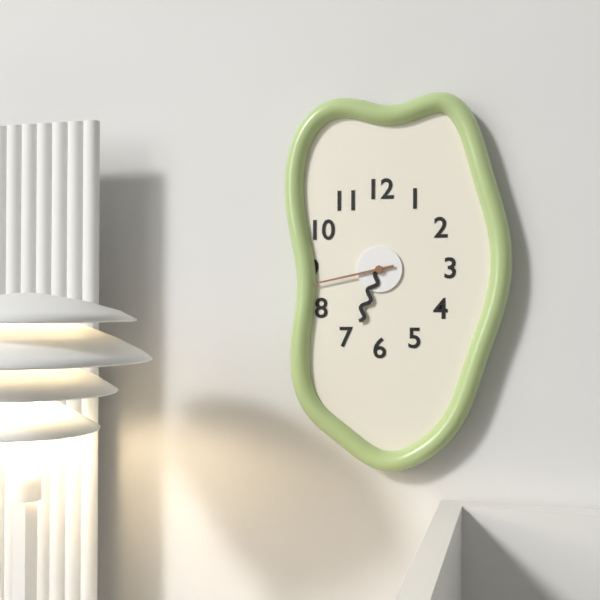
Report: 6 h 43 min
